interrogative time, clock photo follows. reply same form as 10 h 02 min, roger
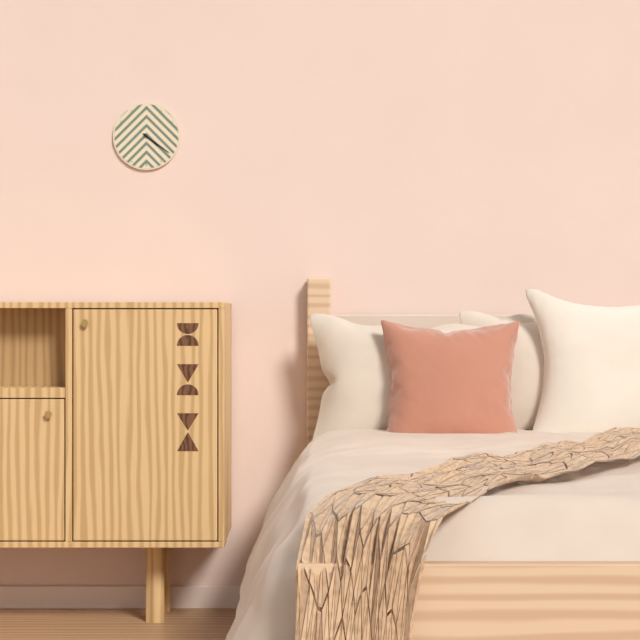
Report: 4 h 21 min
